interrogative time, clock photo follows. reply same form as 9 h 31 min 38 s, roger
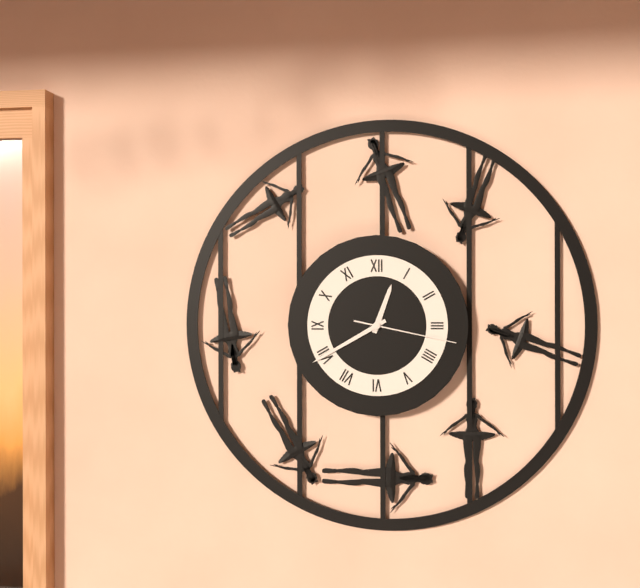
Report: 12 h 40 min 17 s
